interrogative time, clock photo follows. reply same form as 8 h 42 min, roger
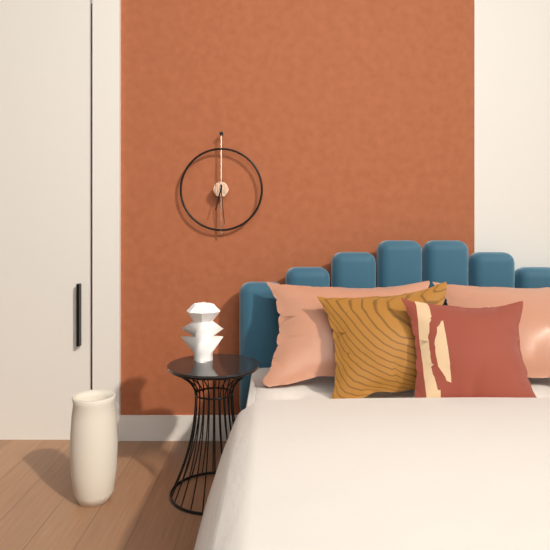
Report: 6 h 29 min
